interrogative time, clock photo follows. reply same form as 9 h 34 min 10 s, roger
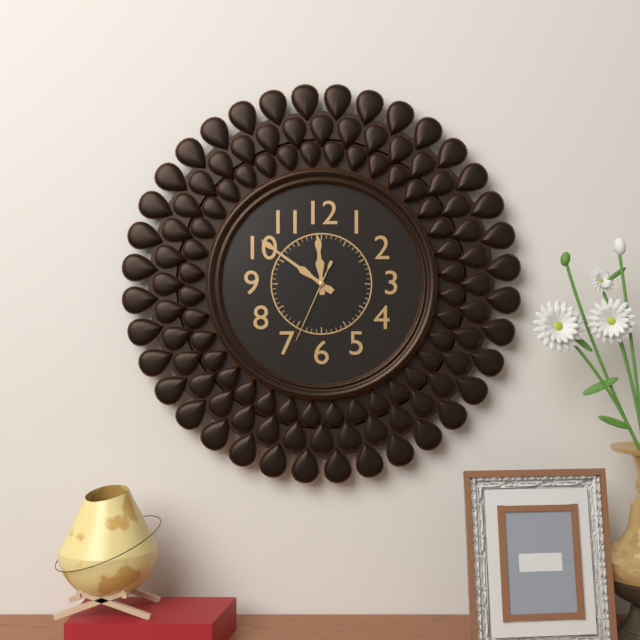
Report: 11 h 51 min 34 s
